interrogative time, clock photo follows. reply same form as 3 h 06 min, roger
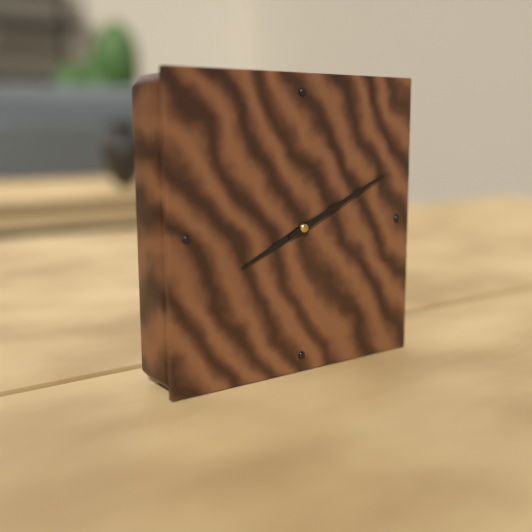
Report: 8 h 11 min
